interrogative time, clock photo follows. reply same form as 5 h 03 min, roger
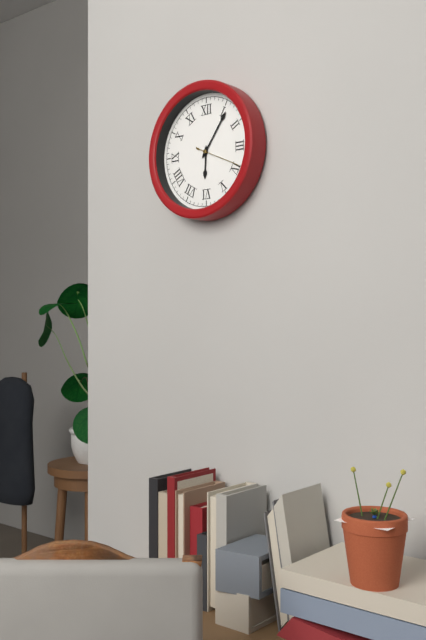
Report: 6 h 06 min
